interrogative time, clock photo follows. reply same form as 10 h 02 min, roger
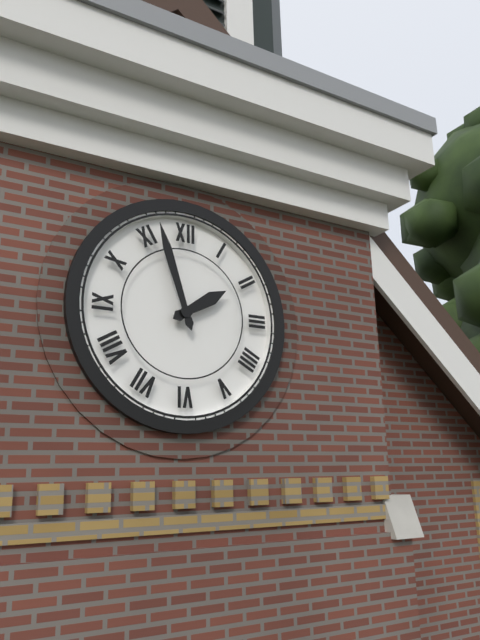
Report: 1 h 57 min
